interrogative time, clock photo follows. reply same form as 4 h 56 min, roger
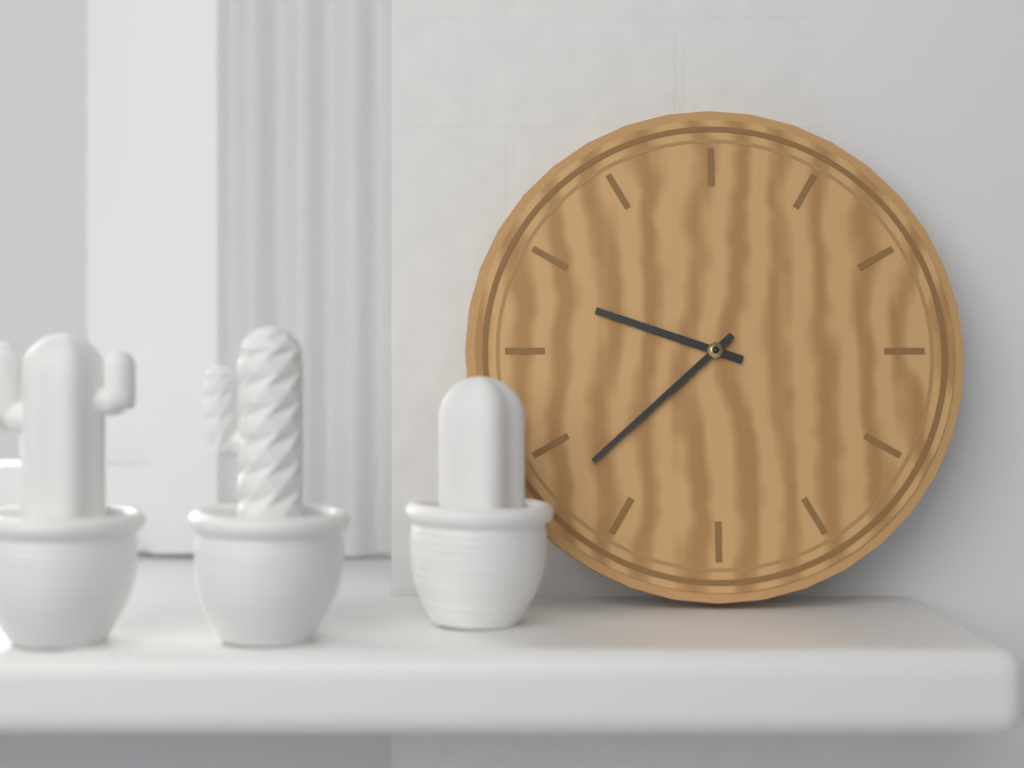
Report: 9 h 38 min
